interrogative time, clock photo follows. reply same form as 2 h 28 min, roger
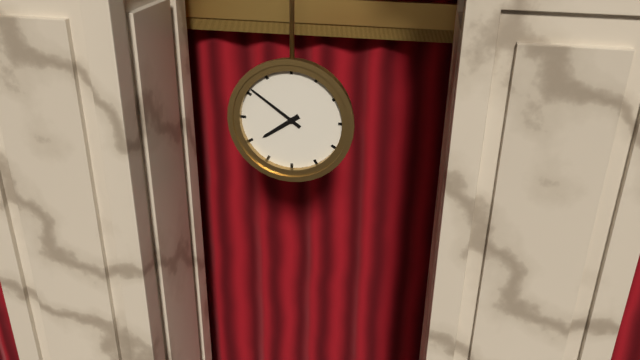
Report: 7 h 51 min
